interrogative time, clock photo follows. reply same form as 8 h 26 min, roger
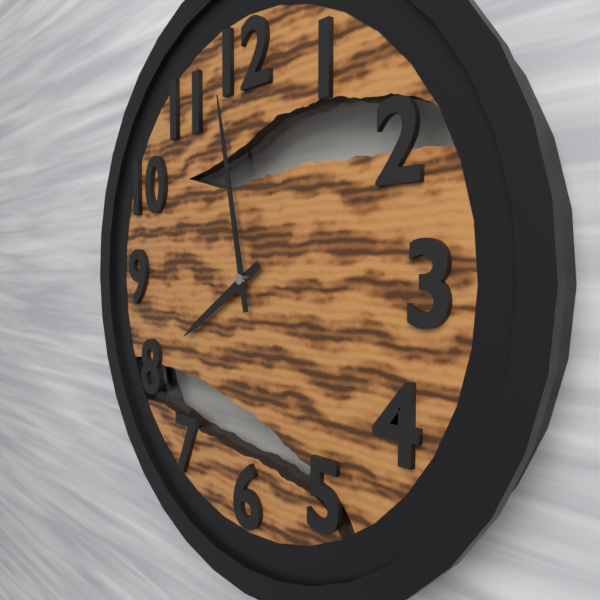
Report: 7 h 58 min
